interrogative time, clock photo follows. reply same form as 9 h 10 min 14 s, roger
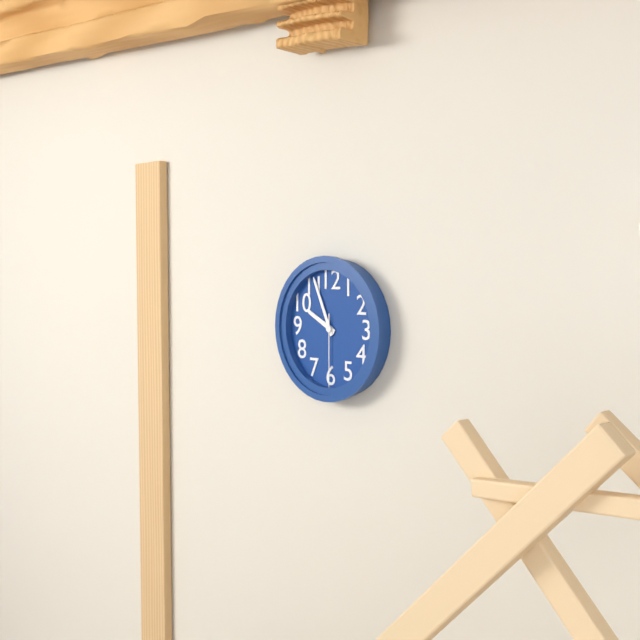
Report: 9 h 56 min 30 s
